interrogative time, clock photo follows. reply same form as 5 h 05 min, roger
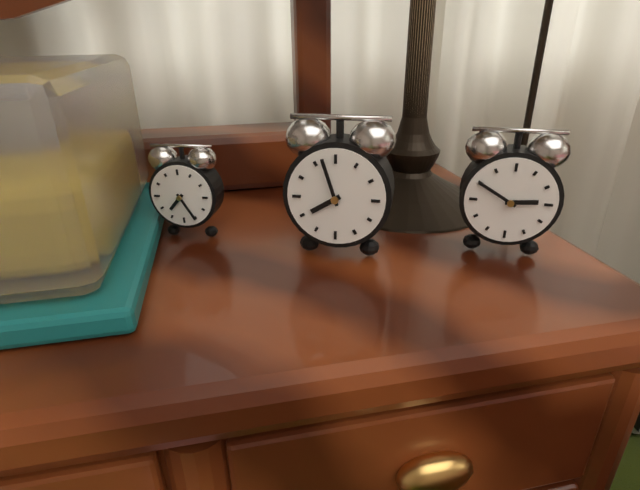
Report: 7 h 57 min
